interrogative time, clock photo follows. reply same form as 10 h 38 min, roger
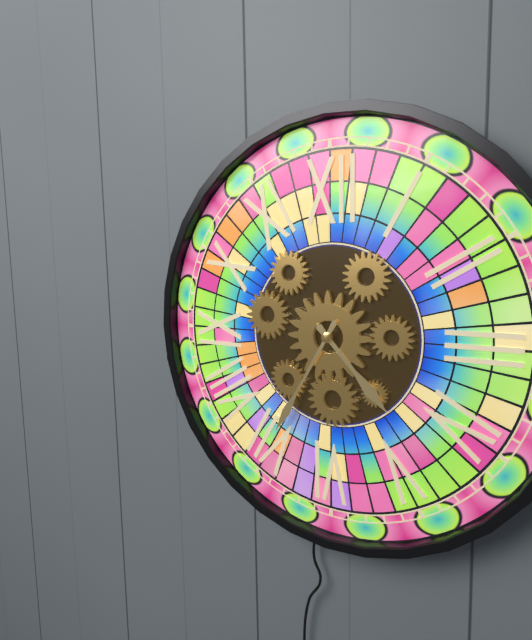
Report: 4 h 35 min
